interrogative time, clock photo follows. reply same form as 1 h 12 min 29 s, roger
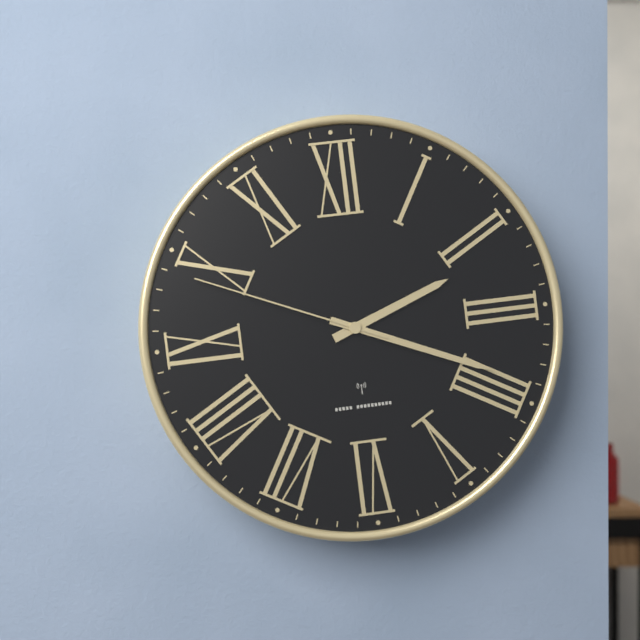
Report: 2 h 19 min 49 s
